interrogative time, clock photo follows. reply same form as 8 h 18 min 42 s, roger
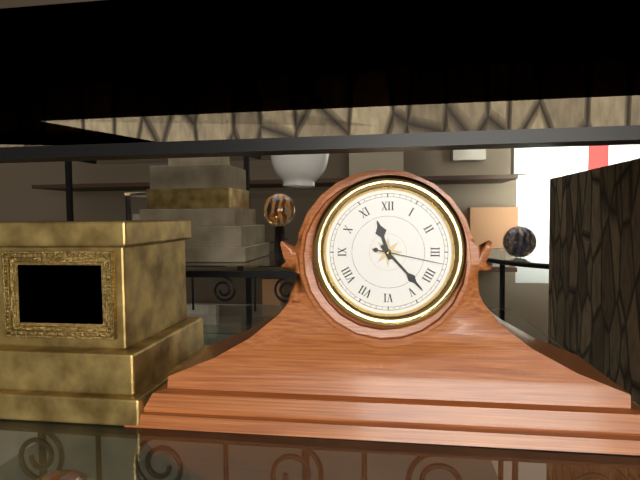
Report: 11 h 23 min 17 s
